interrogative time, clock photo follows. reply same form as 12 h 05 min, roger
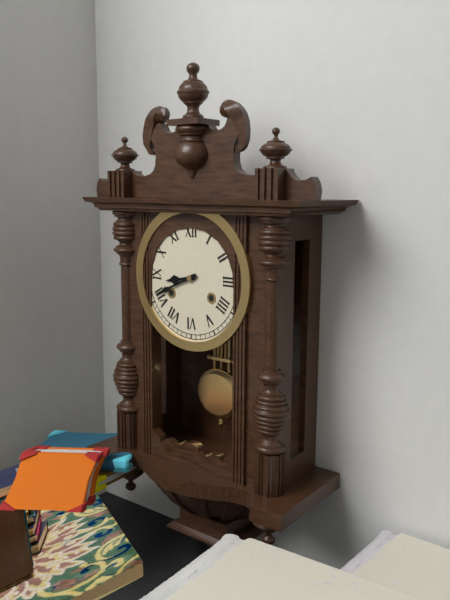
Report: 8 h 41 min
